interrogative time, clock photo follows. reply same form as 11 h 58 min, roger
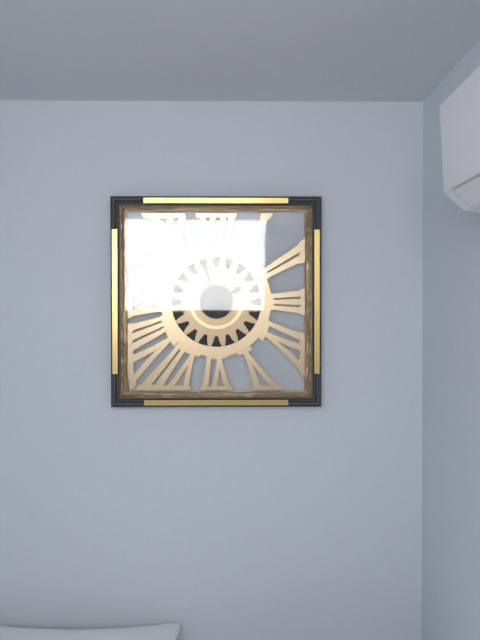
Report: 1 h 57 min
